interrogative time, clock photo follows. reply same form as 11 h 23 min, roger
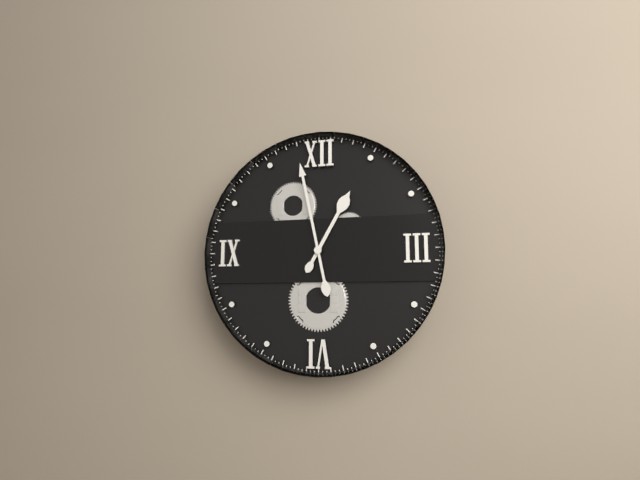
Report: 12 h 58 min
